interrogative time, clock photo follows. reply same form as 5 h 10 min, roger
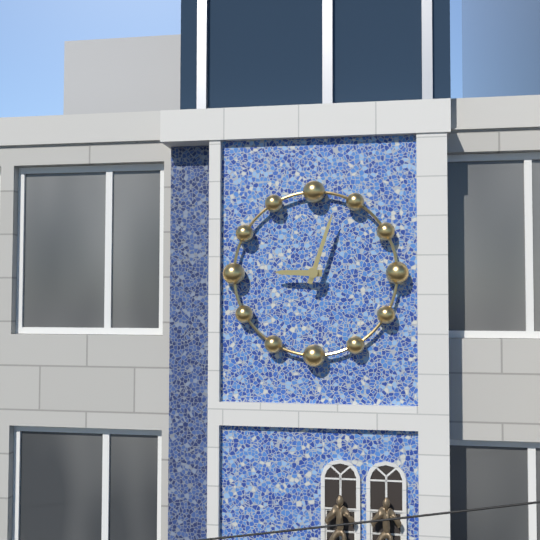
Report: 9 h 03 min
